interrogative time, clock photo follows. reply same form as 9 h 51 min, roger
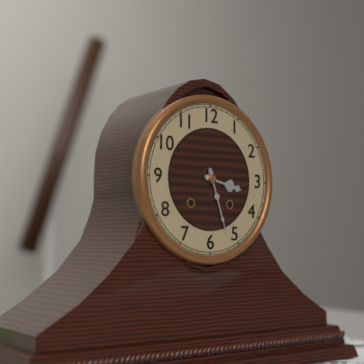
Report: 3 h 27 min
